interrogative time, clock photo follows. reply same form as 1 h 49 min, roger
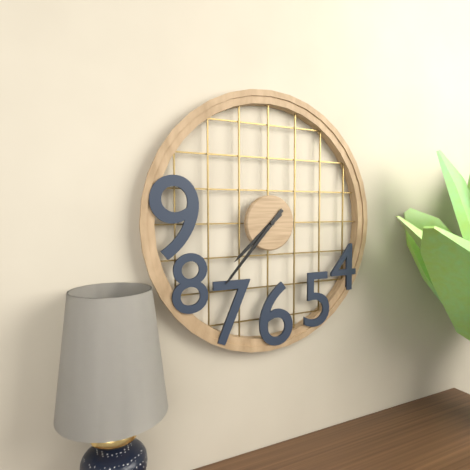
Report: 7 h 37 min
